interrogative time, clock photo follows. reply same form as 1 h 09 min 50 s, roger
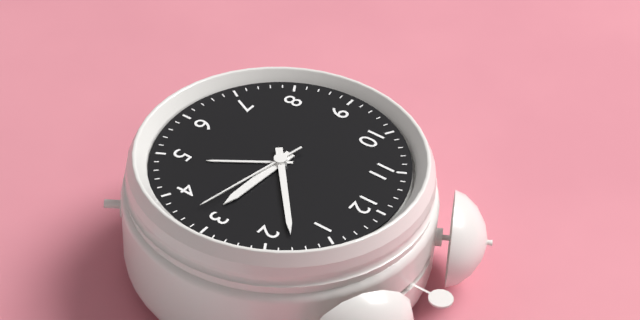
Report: 3 h 08 min 17 s
